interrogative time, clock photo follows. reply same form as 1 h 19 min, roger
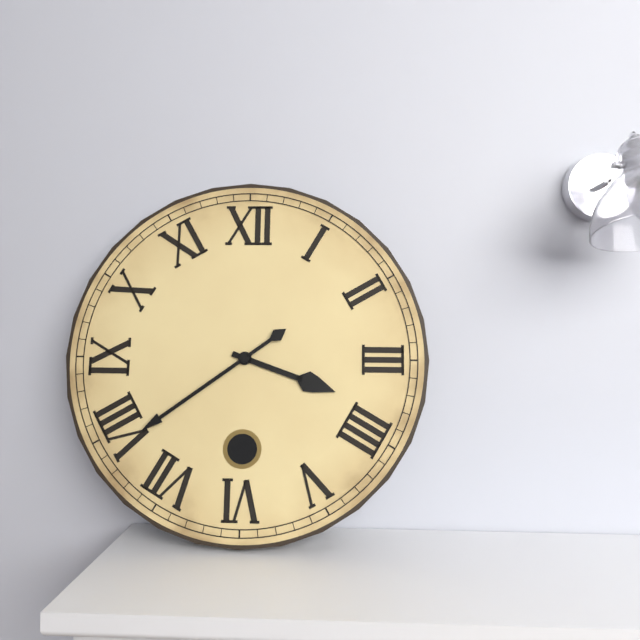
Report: 3 h 39 min
